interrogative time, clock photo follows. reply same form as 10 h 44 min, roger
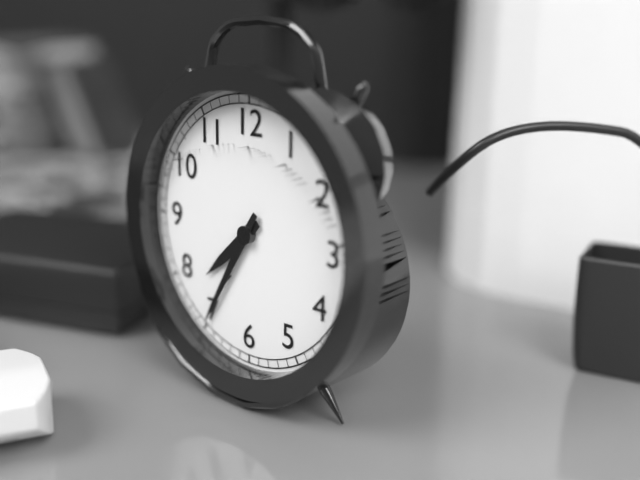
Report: 7 h 35 min
